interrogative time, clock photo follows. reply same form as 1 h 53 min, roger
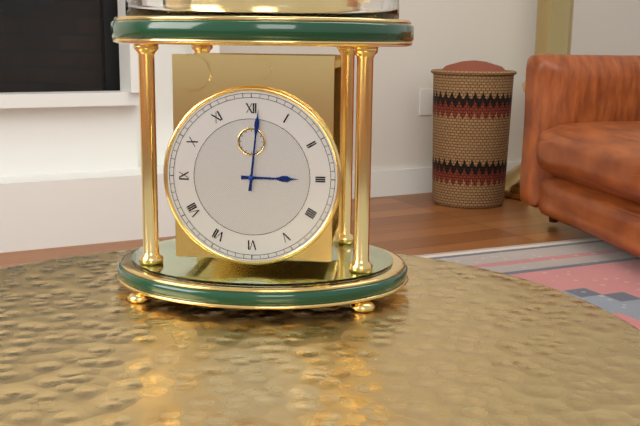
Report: 3 h 01 min
